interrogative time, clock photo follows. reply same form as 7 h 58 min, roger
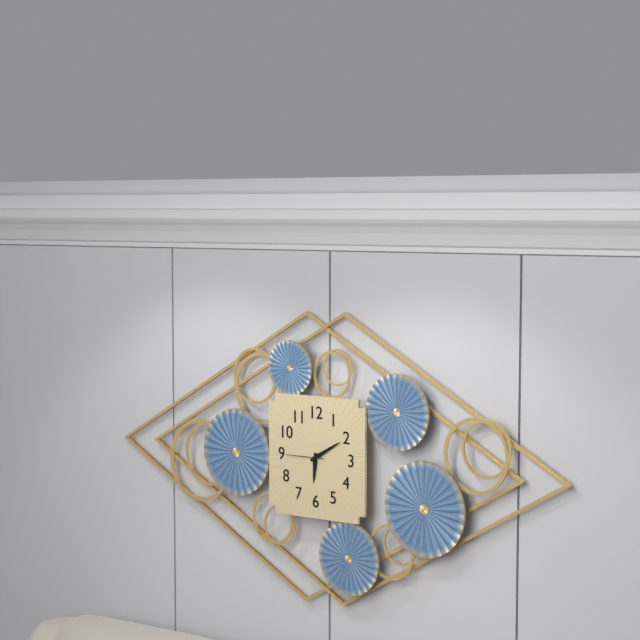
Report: 6 h 10 min
